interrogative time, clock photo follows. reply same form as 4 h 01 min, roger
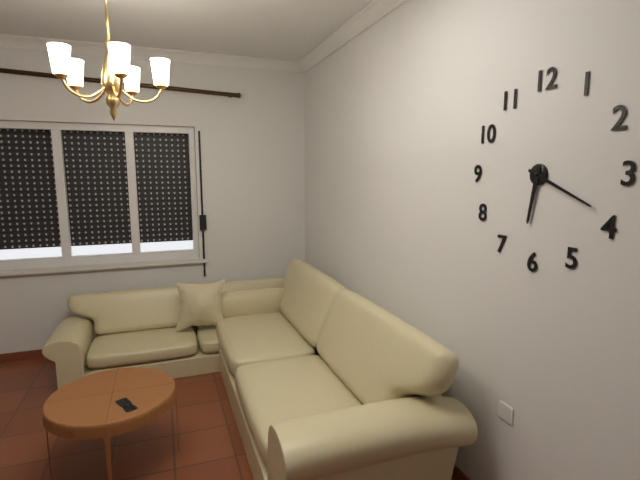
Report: 6 h 19 min
